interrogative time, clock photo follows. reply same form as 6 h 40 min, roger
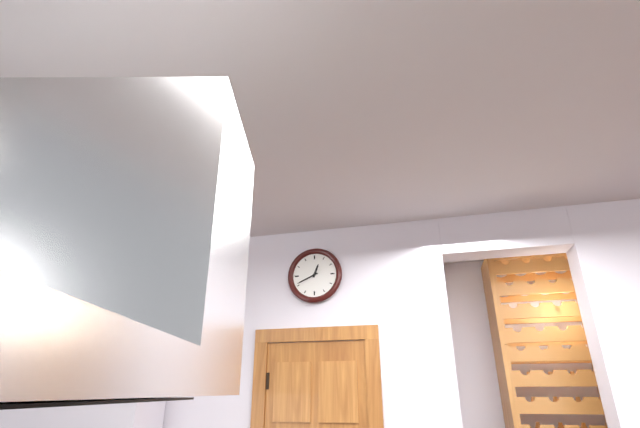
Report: 12 h 41 min
